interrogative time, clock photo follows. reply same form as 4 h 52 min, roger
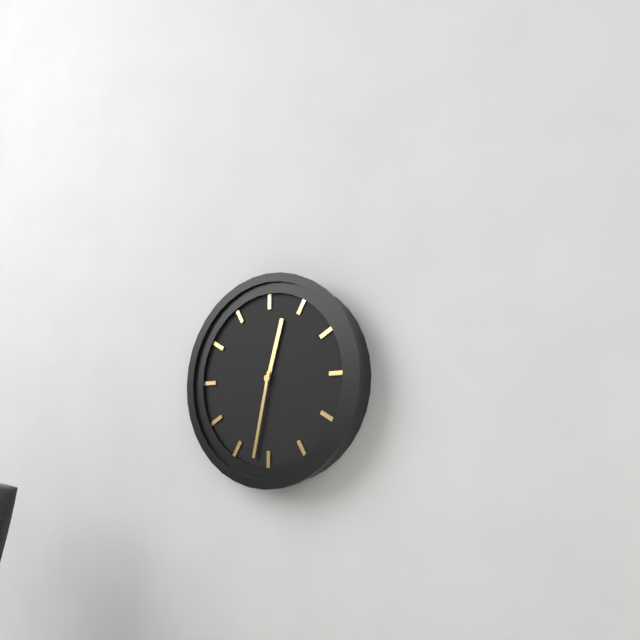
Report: 12 h 32 min
